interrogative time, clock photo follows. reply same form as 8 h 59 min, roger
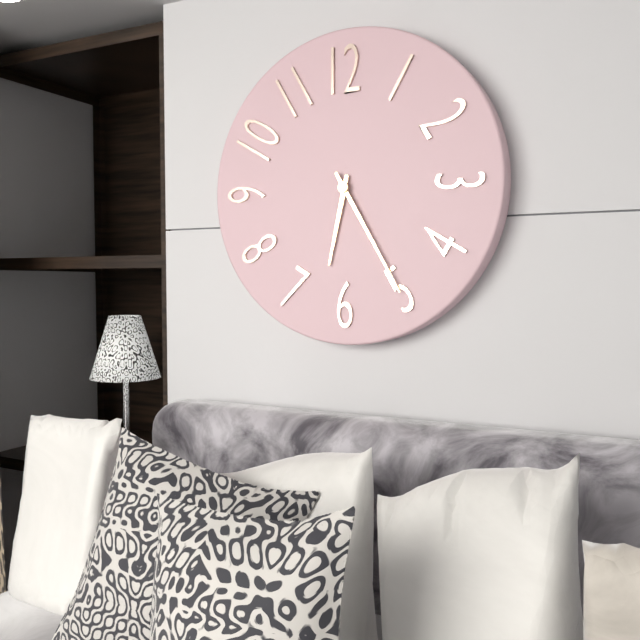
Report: 6 h 25 min
